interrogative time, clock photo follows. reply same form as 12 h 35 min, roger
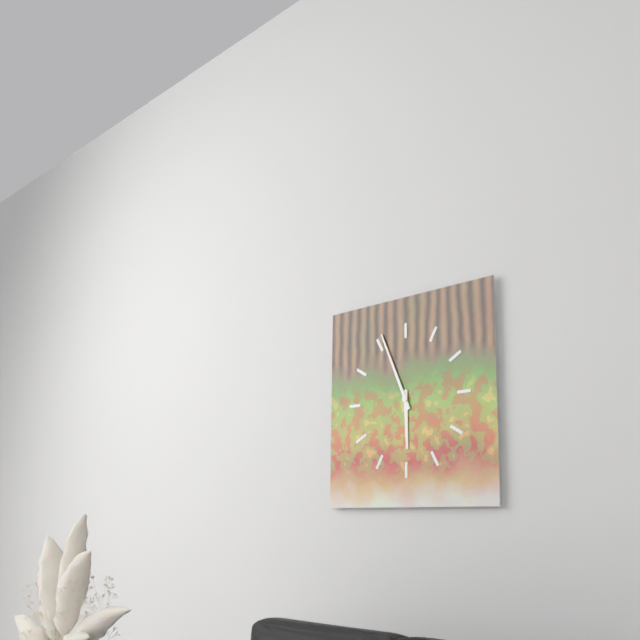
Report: 5 h 56 min
